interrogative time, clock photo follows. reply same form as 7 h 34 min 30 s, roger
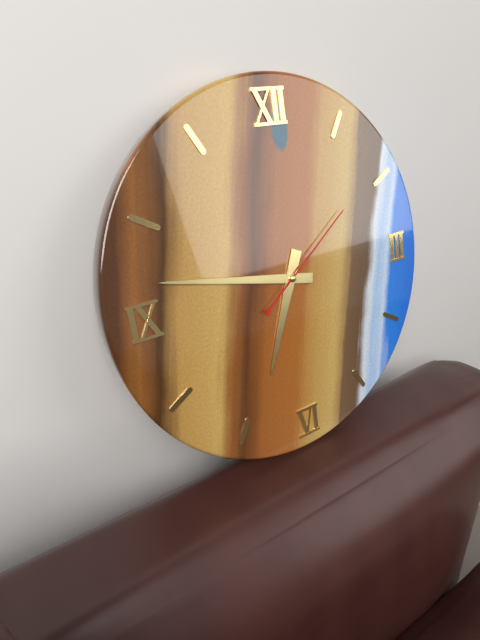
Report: 6 h 47 min 09 s
